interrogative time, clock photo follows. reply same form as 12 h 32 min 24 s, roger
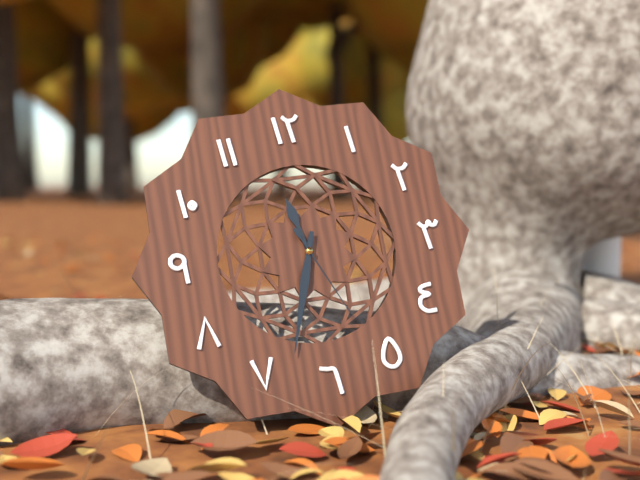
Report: 11 h 33 min 26 s
